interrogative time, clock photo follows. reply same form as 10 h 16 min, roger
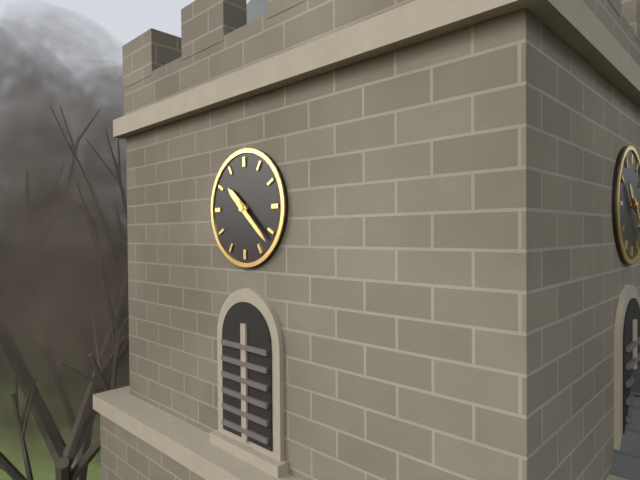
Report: 10 h 22 min
